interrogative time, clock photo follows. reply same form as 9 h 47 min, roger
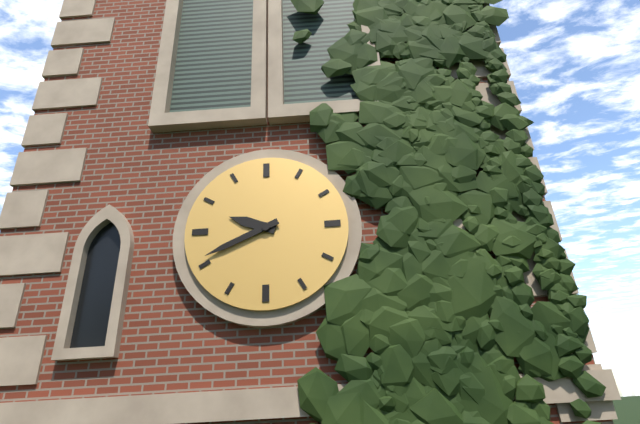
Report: 9 h 41 min
